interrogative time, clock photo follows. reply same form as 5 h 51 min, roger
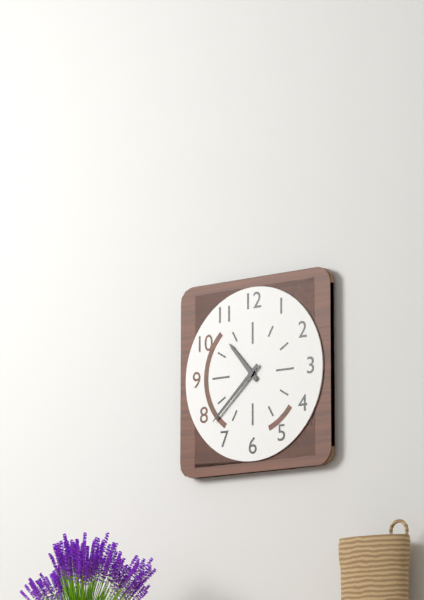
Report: 10 h 38 min
